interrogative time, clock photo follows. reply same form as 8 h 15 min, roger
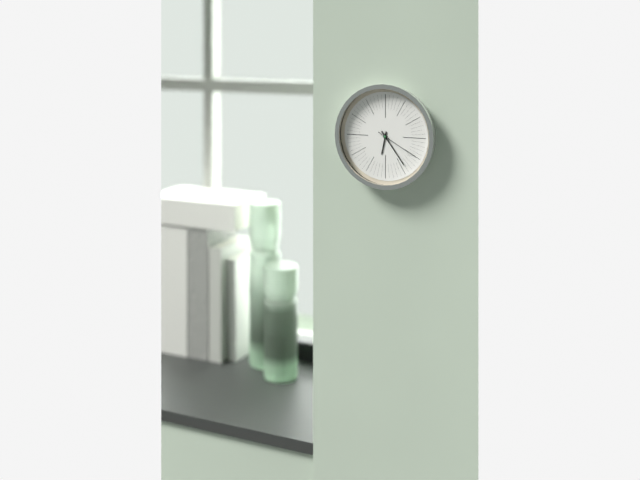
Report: 6 h 24 min
